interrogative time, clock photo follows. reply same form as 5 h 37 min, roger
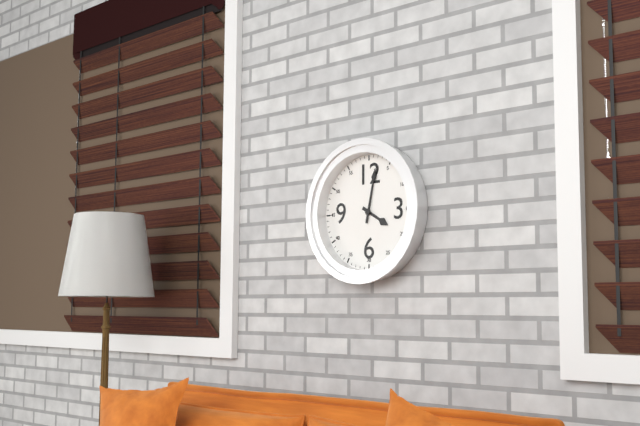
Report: 4 h 02 min
